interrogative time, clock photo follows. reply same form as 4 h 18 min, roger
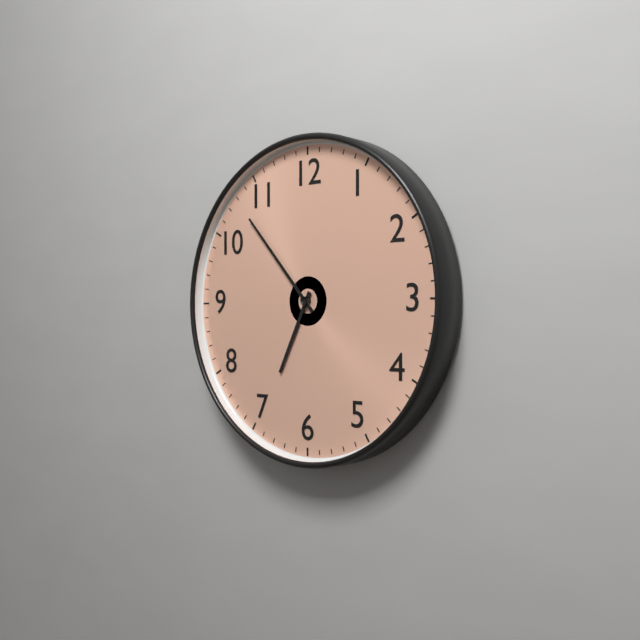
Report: 6 h 53 min
